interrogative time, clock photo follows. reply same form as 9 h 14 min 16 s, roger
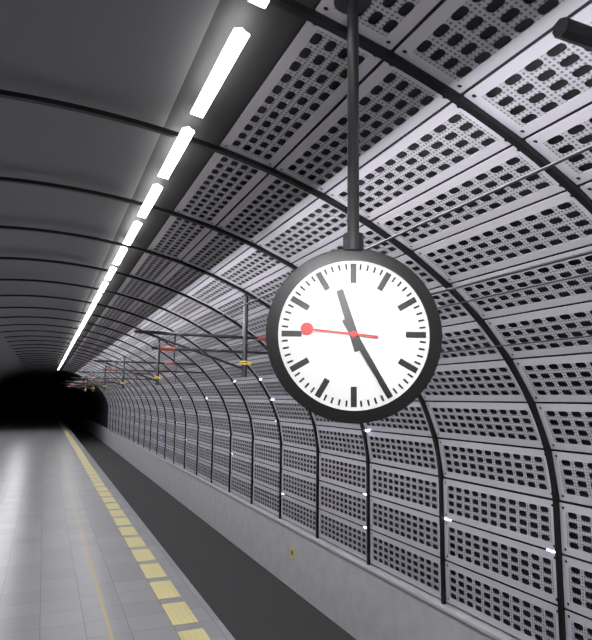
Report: 11 h 25 min 46 s
